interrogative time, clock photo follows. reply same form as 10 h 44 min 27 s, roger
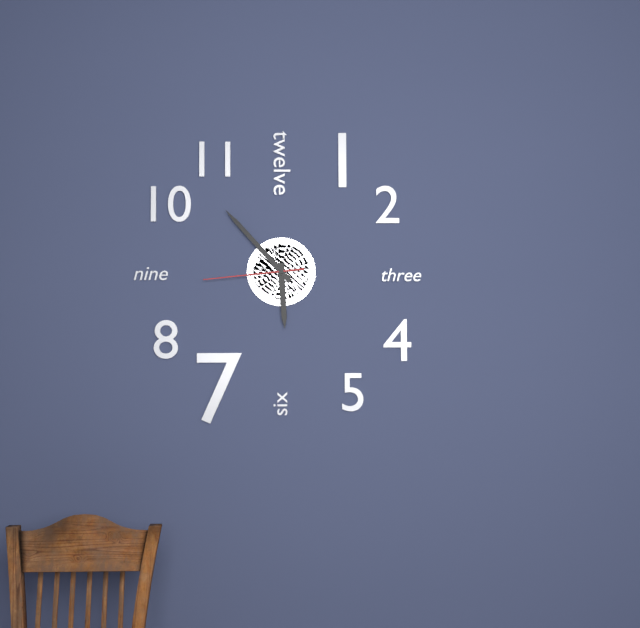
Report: 5 h 53 min 44 s
